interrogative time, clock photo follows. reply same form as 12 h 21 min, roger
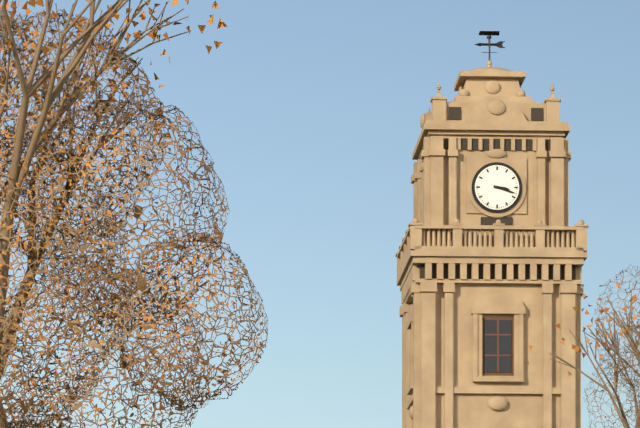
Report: 3 h 18 min
